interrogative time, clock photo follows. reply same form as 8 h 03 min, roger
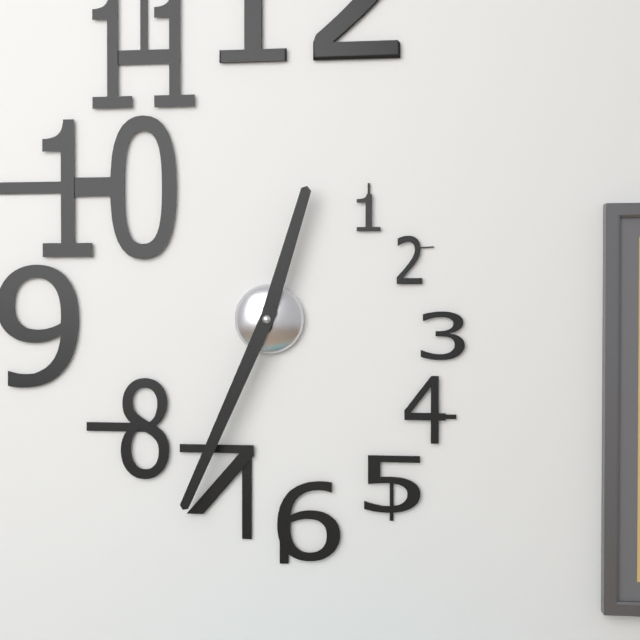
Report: 12 h 34 min
